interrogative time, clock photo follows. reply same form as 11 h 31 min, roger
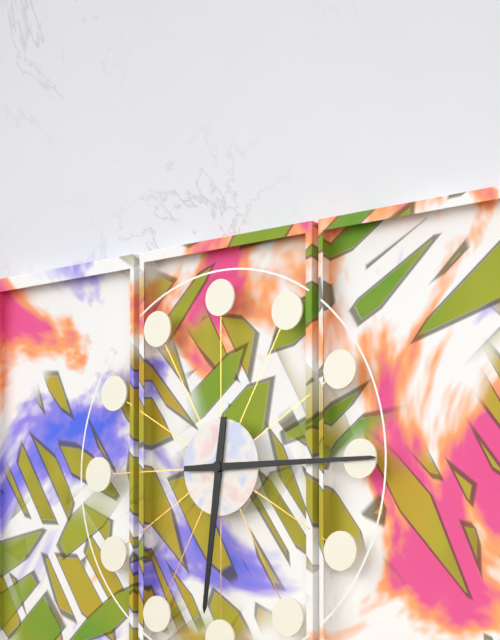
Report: 6 h 15 min
